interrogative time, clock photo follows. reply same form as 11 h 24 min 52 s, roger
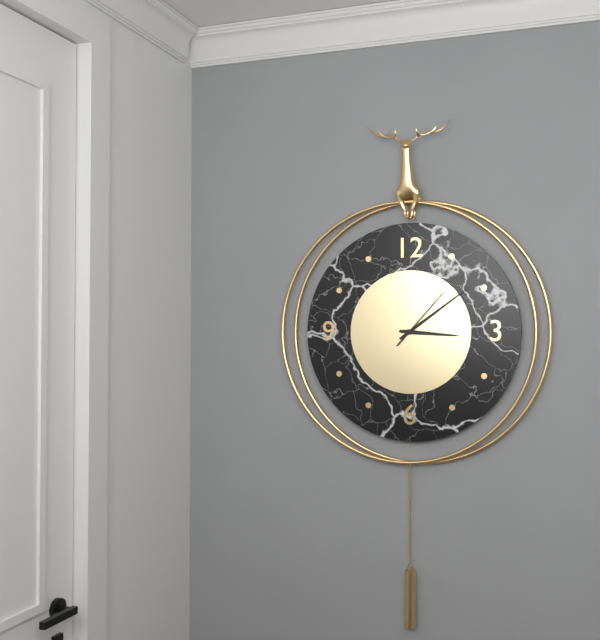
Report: 3 h 09 min 07 s
